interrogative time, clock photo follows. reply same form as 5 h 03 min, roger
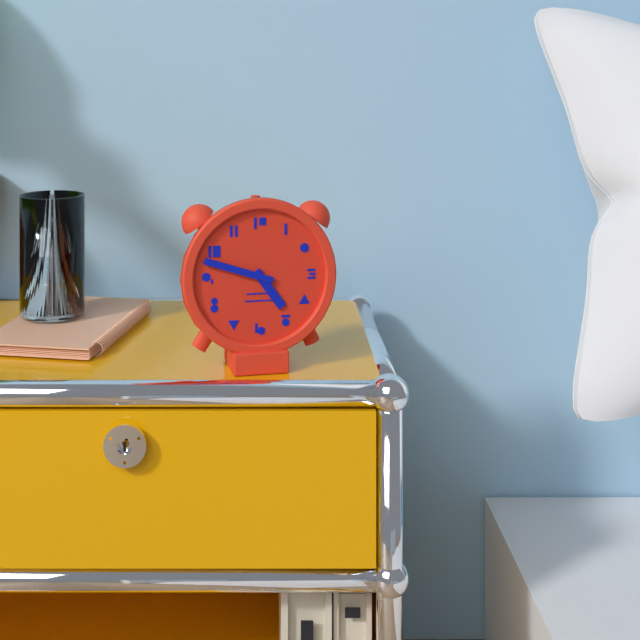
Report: 4 h 48 min
